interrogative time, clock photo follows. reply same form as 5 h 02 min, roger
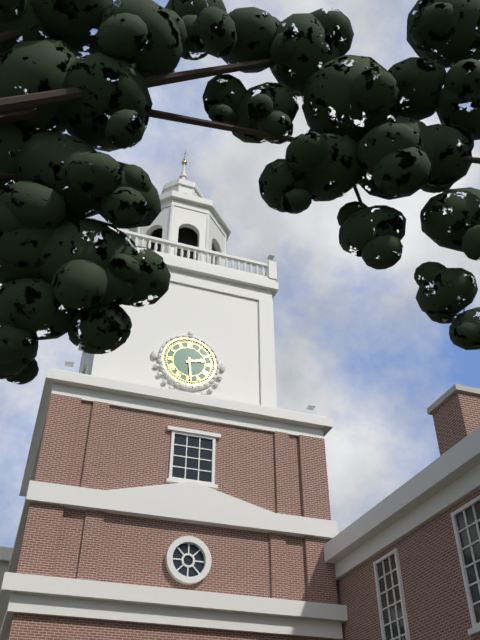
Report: 2 h 29 min
